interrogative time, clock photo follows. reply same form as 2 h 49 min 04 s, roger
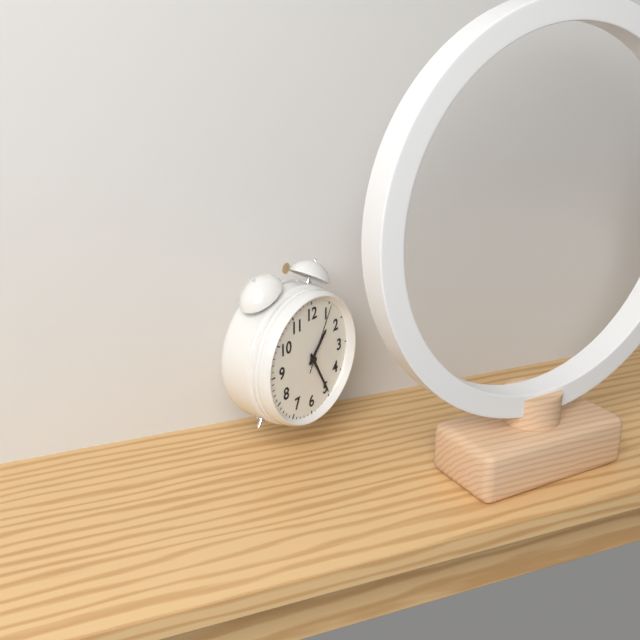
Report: 1 h 25 min 05 s
